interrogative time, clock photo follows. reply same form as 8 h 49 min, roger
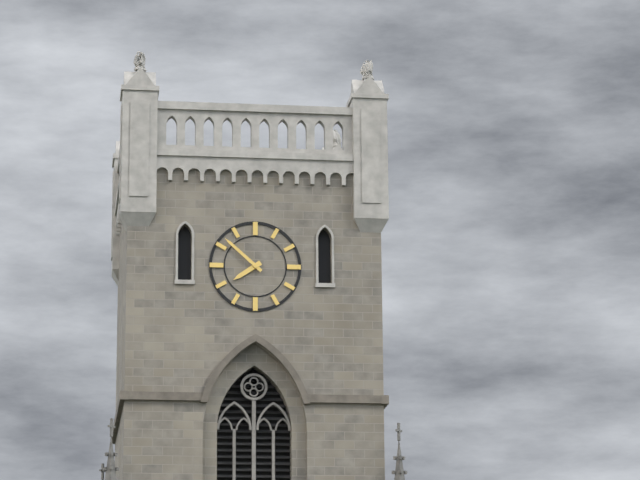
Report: 7 h 52 min
